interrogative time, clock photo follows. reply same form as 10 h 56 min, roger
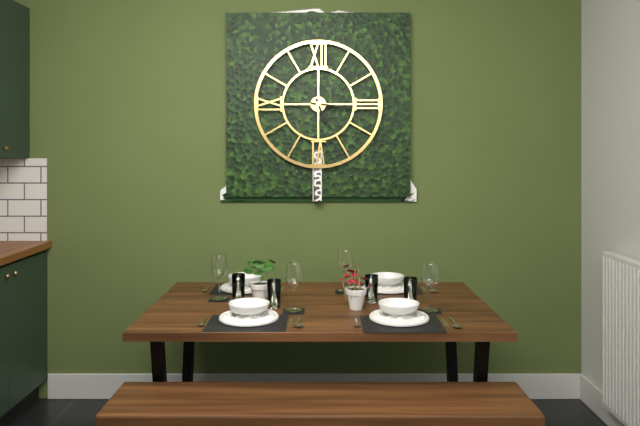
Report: 5 h 16 min
